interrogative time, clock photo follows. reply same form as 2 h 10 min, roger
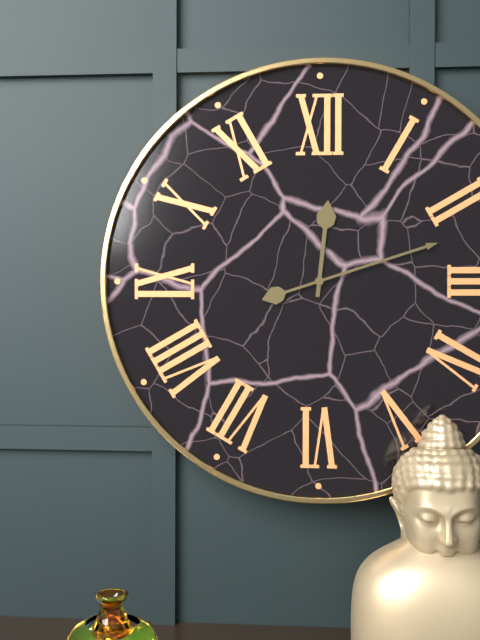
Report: 12 h 12 min
